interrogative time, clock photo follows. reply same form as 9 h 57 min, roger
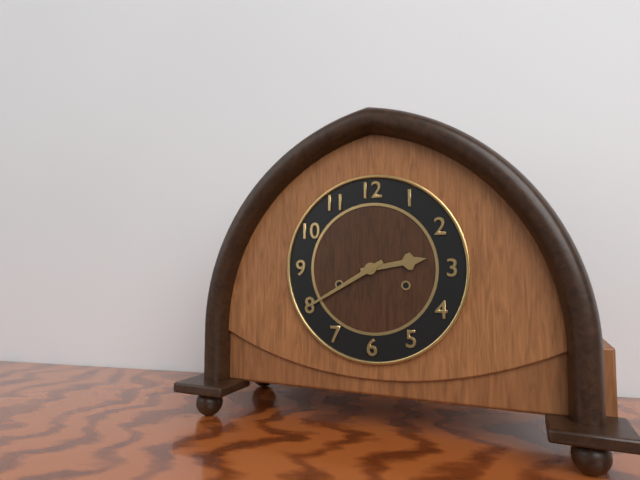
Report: 2 h 40 min
